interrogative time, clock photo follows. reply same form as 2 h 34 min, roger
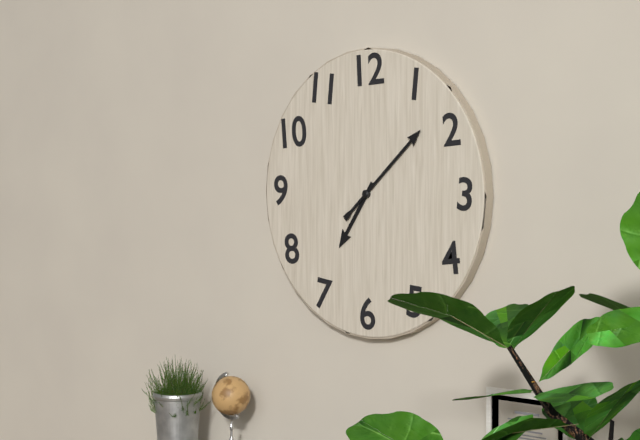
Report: 7 h 08 min
